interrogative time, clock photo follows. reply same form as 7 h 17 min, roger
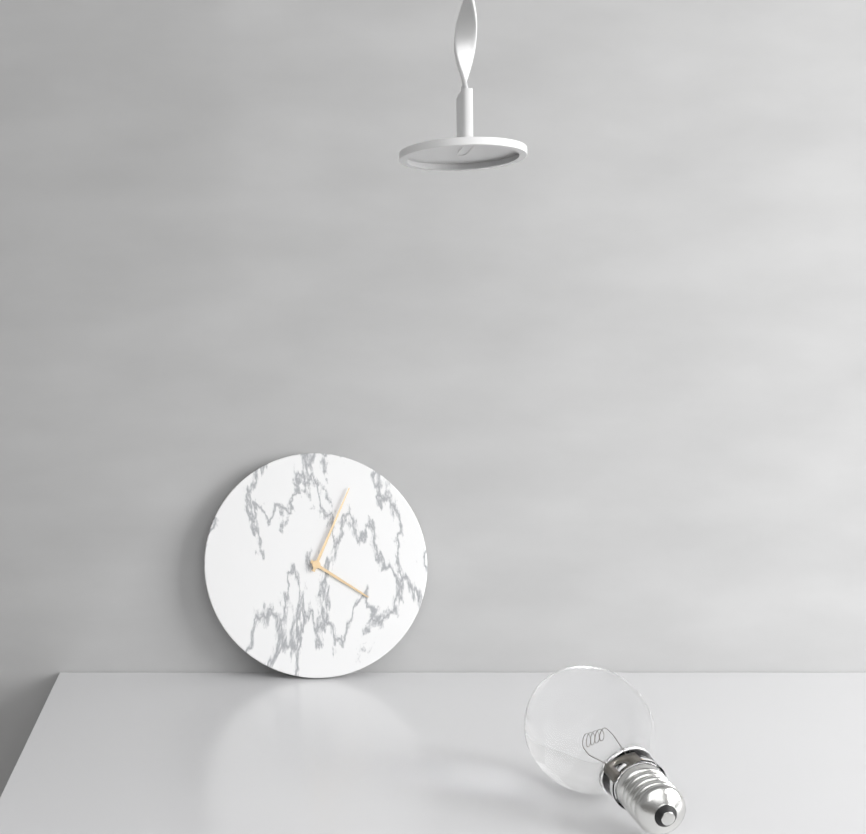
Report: 4 h 04 min
